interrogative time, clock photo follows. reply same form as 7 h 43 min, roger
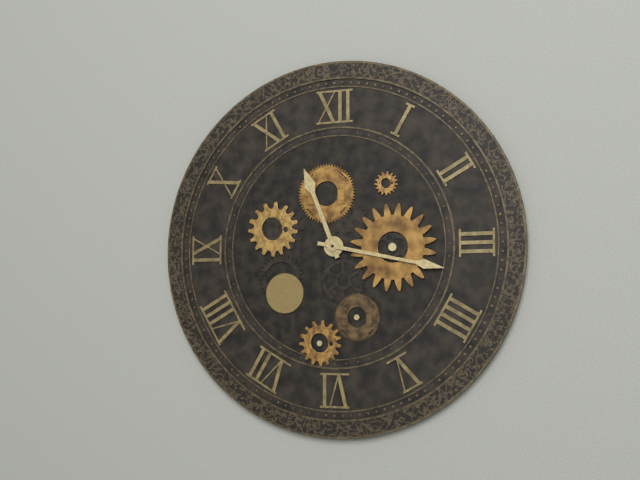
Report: 11 h 17 min
